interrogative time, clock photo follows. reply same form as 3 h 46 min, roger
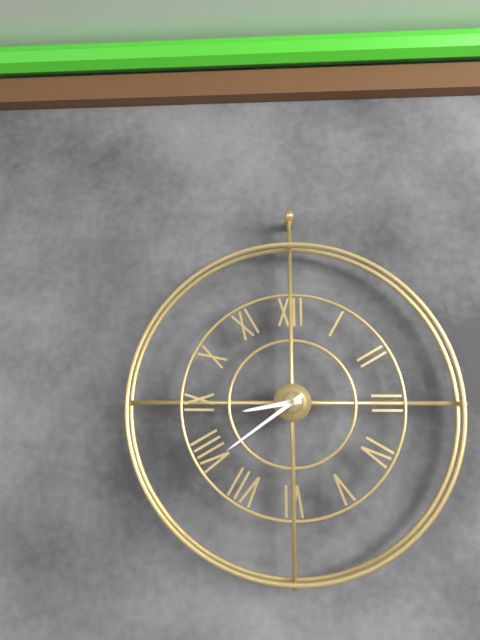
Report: 8 h 39 min
